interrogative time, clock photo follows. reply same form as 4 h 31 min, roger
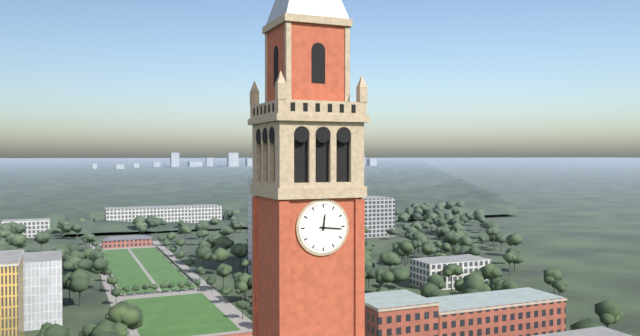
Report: 12 h 16 min
